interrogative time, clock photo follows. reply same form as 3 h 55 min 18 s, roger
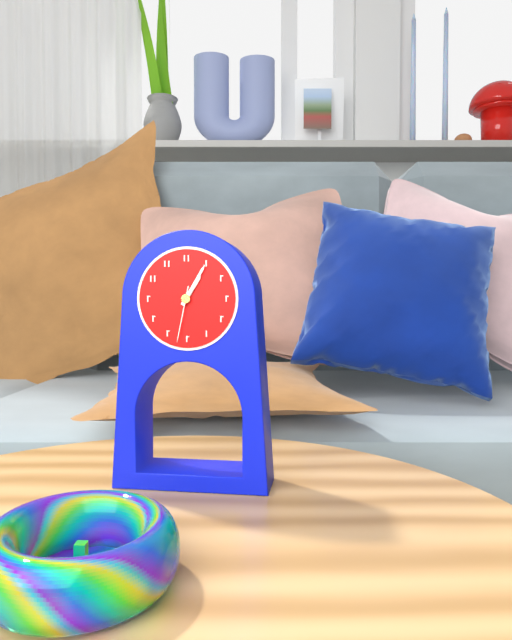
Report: 1 h 05 min 32 s
